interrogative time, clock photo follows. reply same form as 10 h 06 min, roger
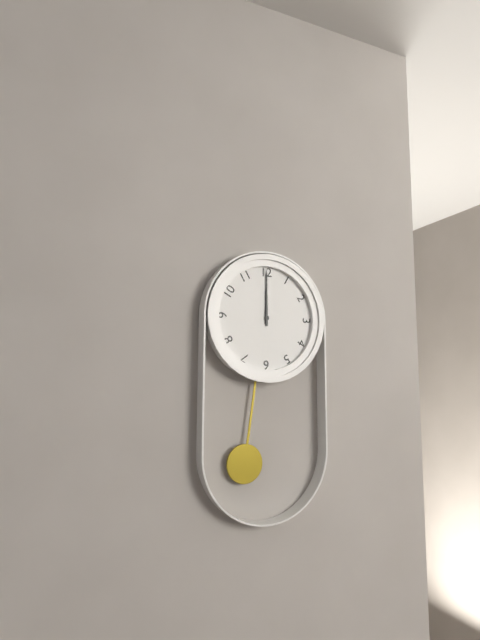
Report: 12 h 00 min
